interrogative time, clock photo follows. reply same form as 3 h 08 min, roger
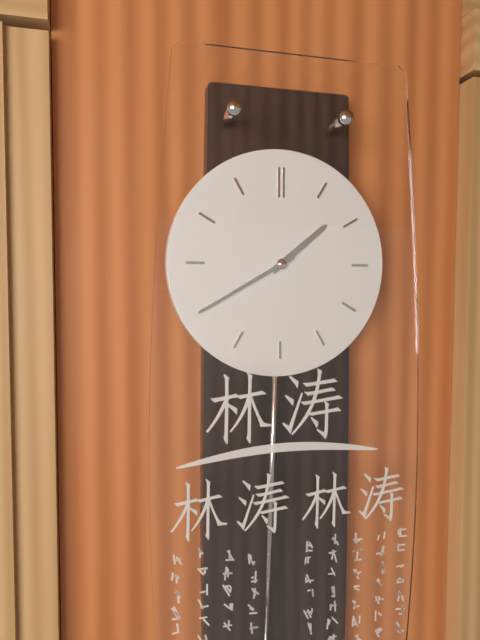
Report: 1 h 40 min
